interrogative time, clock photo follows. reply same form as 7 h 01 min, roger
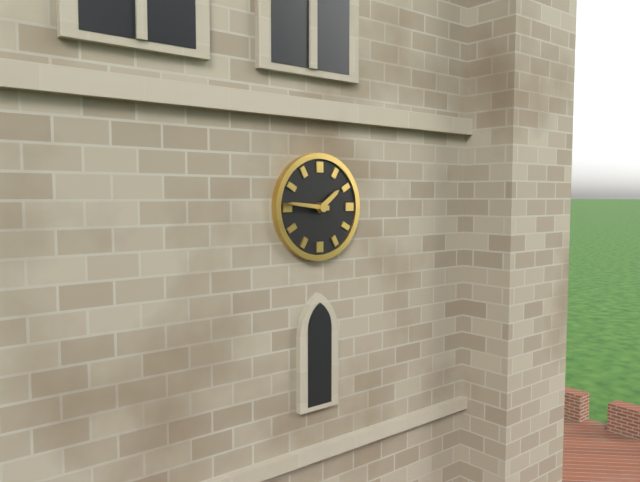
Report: 1 h 46 min
